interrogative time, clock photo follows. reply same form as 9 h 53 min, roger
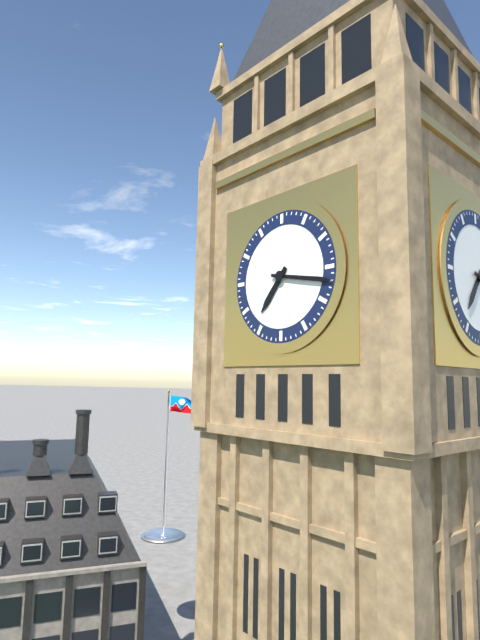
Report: 7 h 17 min
